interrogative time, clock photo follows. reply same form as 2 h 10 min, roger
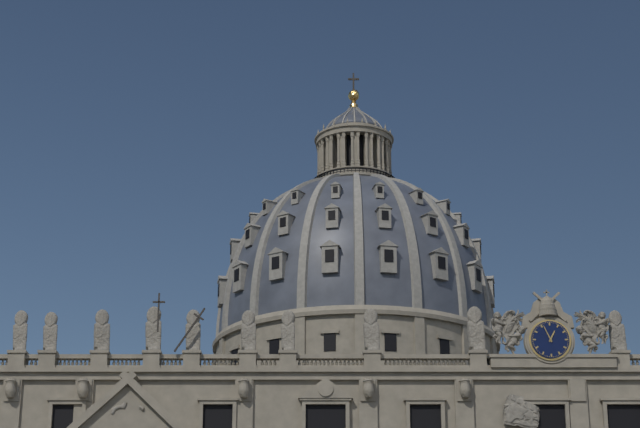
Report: 12 h 56 min
